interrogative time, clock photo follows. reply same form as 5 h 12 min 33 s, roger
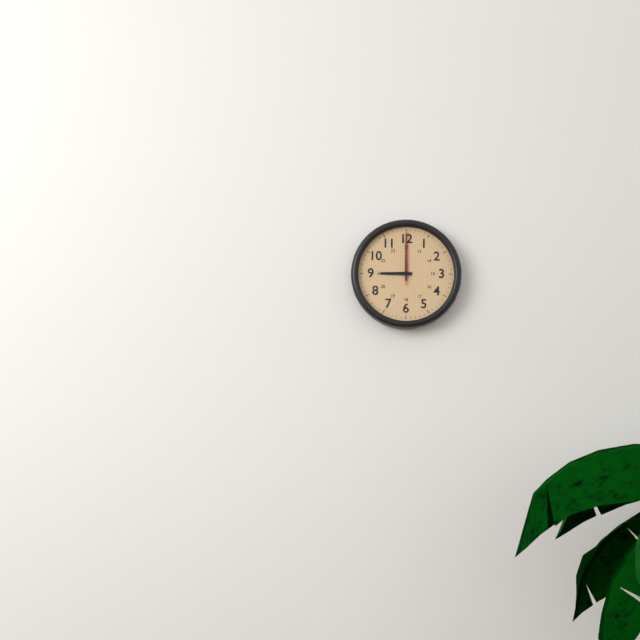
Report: 9 h 00 min 00 s
